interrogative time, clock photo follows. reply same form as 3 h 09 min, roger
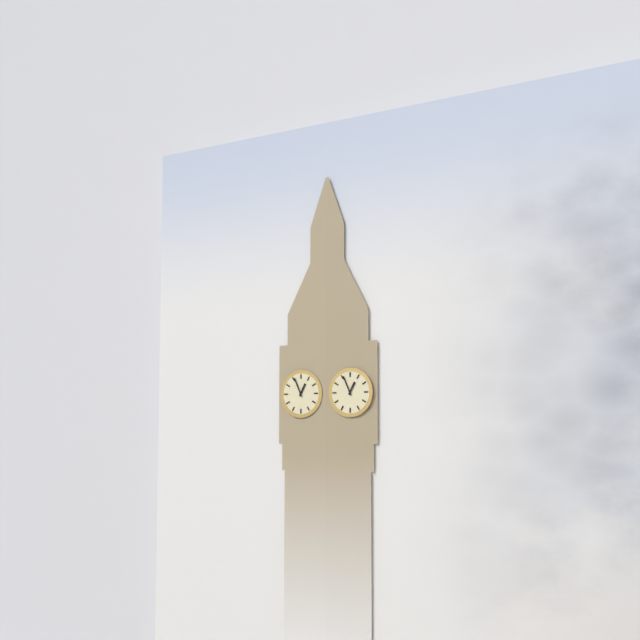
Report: 12 h 56 min
